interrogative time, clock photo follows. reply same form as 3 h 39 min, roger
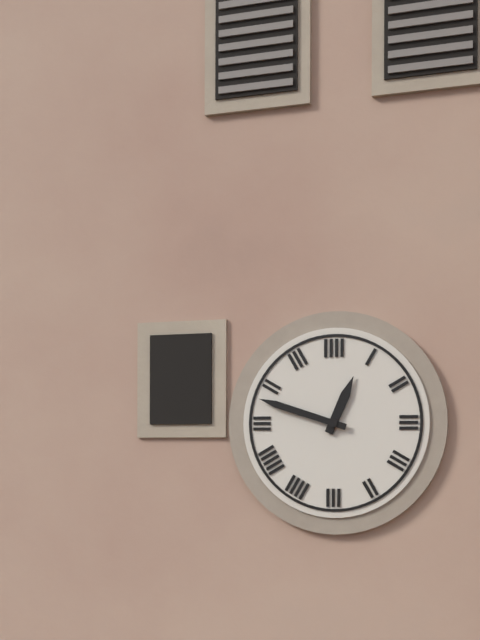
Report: 12 h 48 min
